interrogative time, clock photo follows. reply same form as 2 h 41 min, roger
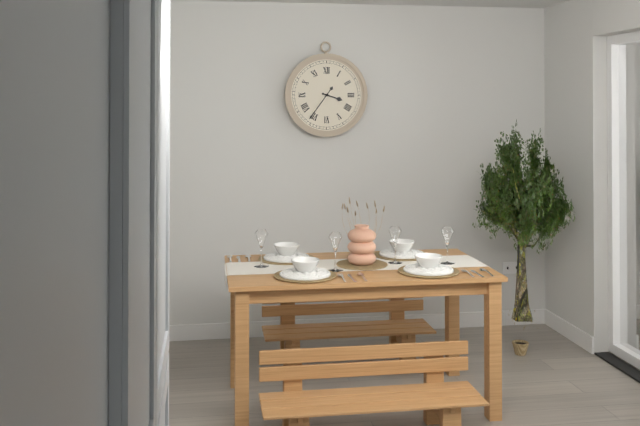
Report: 3 h 36 min
